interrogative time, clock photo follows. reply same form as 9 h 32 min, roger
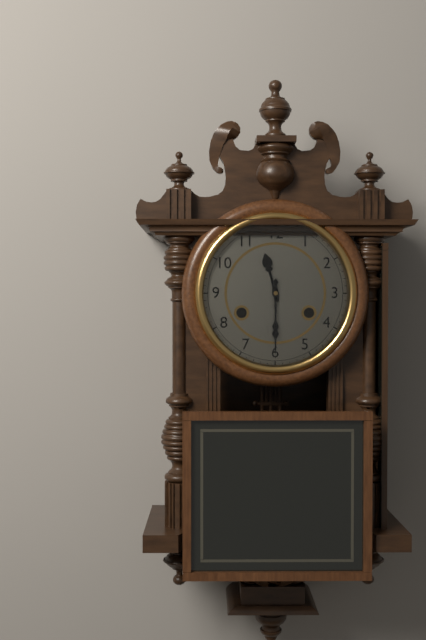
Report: 11 h 30 min
